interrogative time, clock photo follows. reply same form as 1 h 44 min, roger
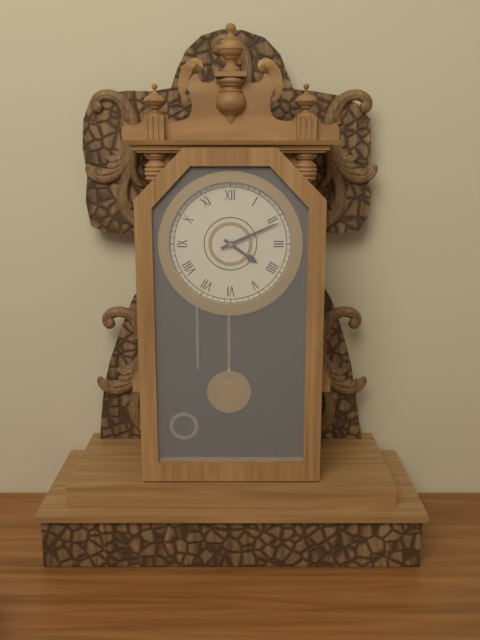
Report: 4 h 11 min
